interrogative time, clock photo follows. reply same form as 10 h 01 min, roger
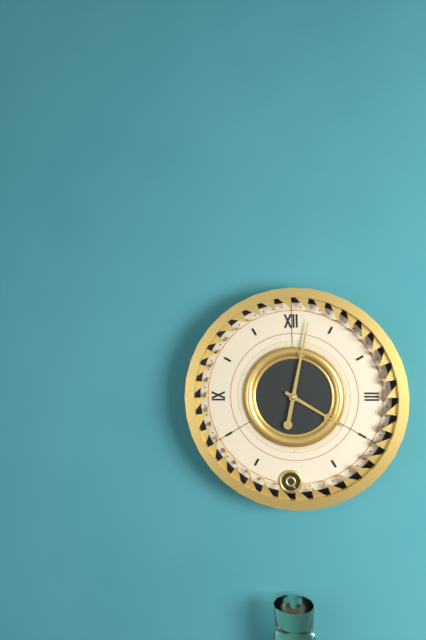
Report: 4 h 02 min
